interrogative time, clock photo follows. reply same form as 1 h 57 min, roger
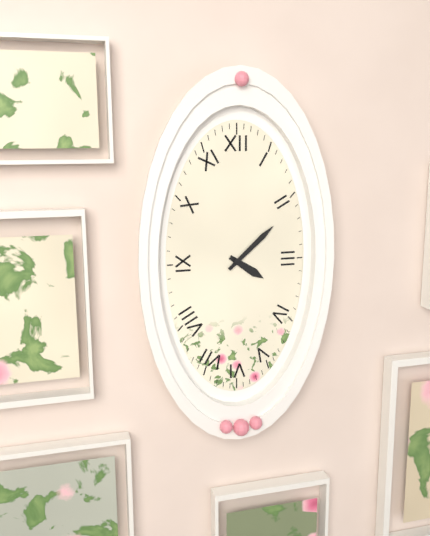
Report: 4 h 08 min
